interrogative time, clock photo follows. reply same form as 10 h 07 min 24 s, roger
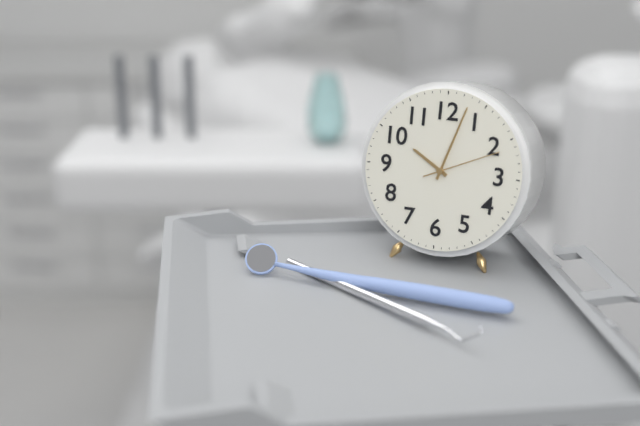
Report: 10 h 03 min 11 s
